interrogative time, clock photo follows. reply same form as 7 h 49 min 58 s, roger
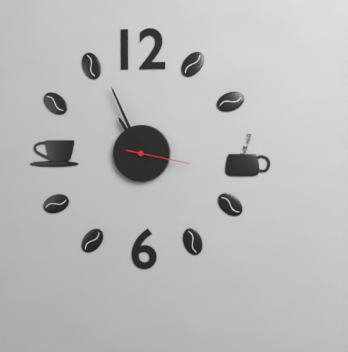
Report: 10 h 56 min 17 s
